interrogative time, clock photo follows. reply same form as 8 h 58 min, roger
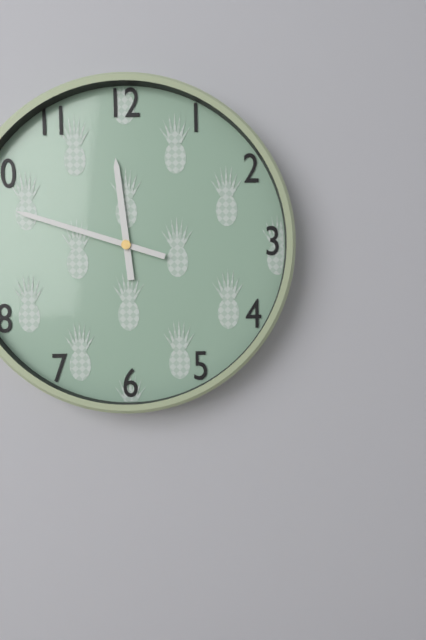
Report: 11 h 48 min
